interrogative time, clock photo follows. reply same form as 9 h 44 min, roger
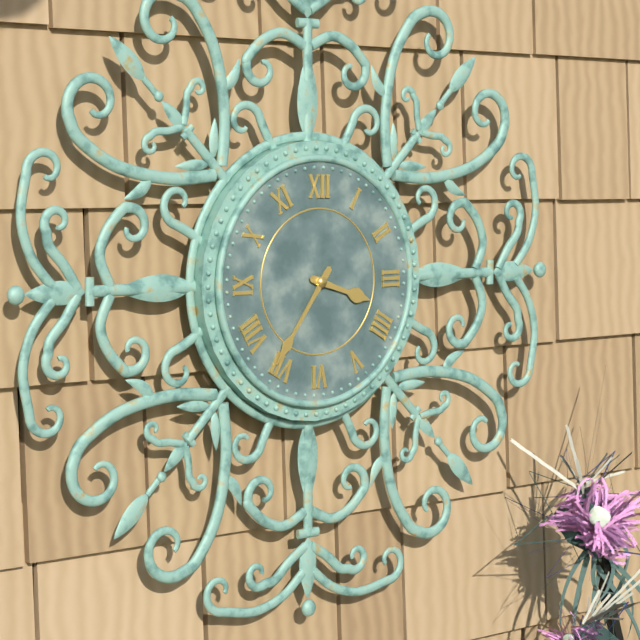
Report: 3 h 36 min
